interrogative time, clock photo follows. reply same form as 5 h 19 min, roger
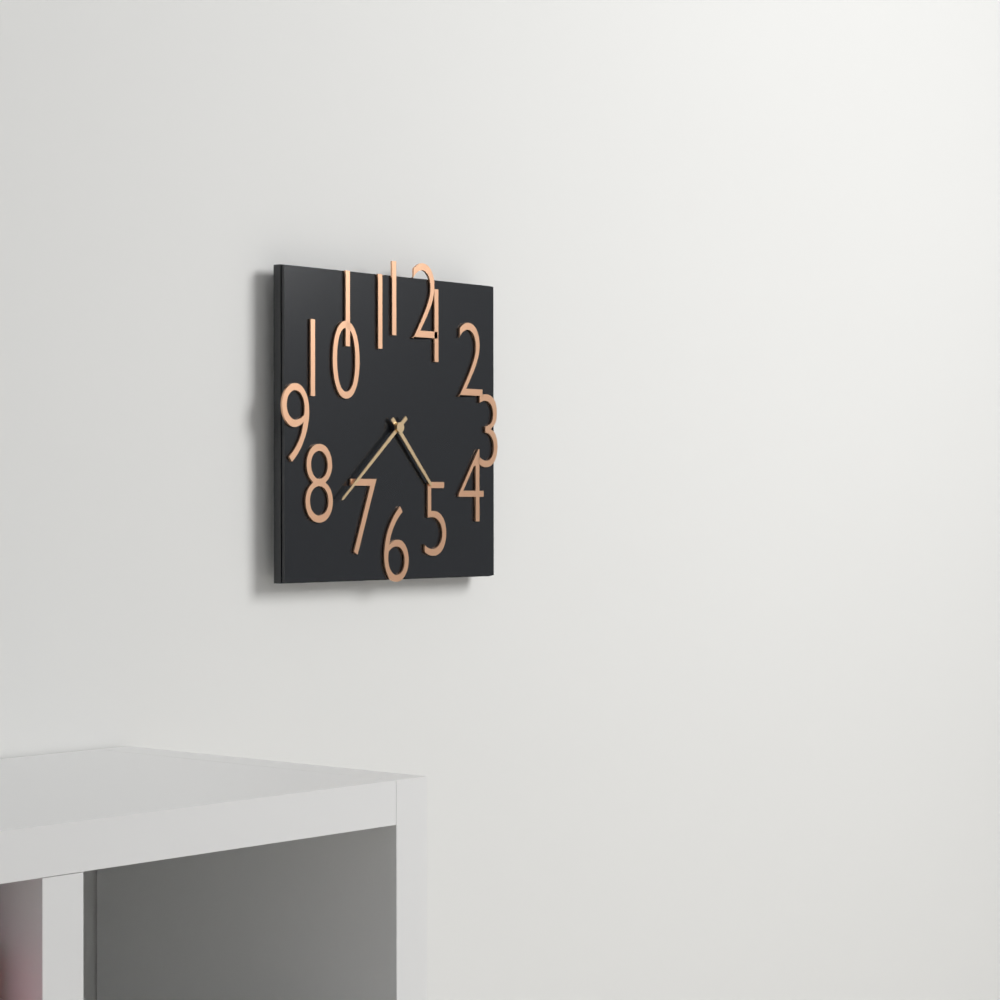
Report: 4 h 38 min
